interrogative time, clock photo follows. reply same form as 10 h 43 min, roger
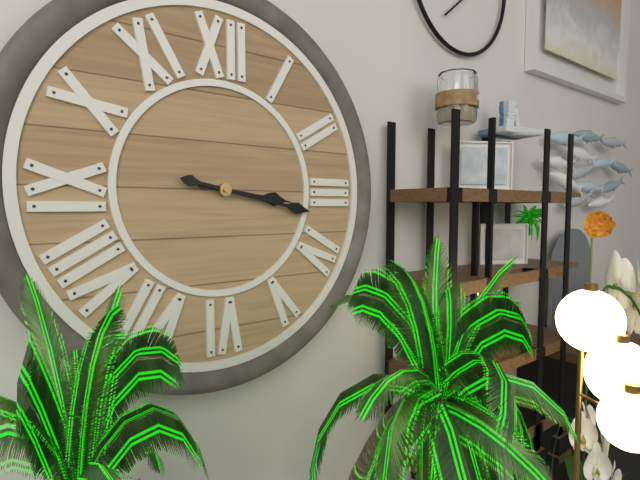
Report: 3 h 17 min
